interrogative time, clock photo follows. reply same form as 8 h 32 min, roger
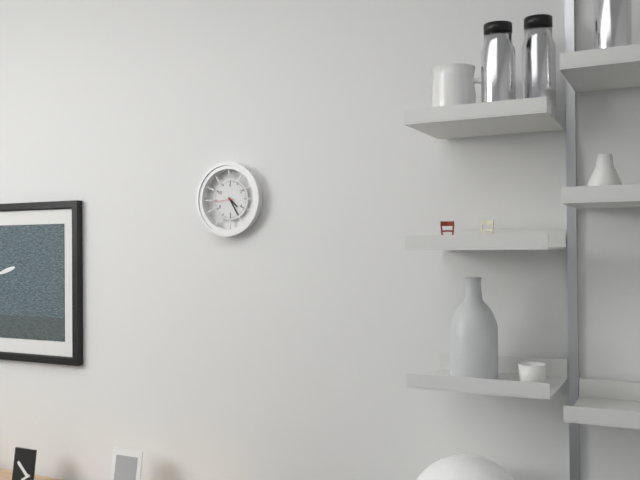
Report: 4 h 25 min
